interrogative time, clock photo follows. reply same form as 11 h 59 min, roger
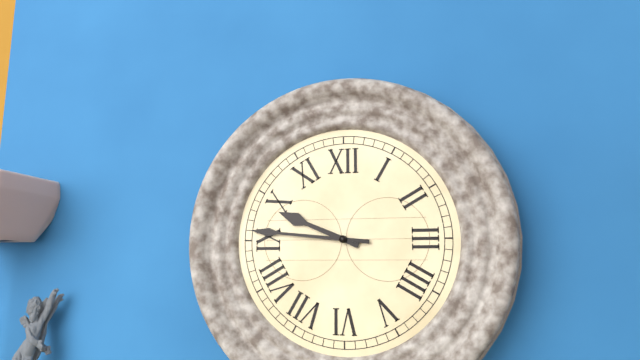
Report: 9 h 46 min
